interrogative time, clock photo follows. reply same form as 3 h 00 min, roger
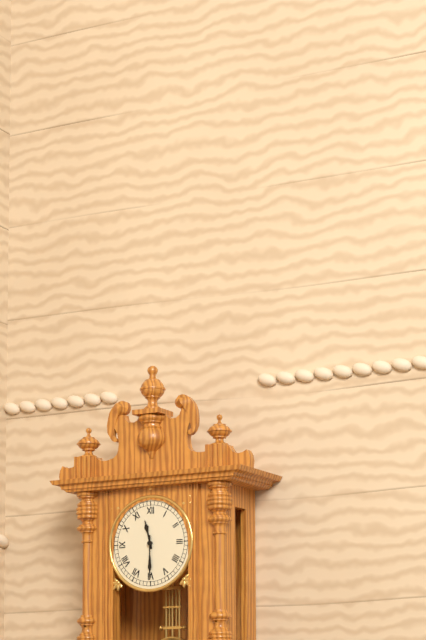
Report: 11 h 30 min
